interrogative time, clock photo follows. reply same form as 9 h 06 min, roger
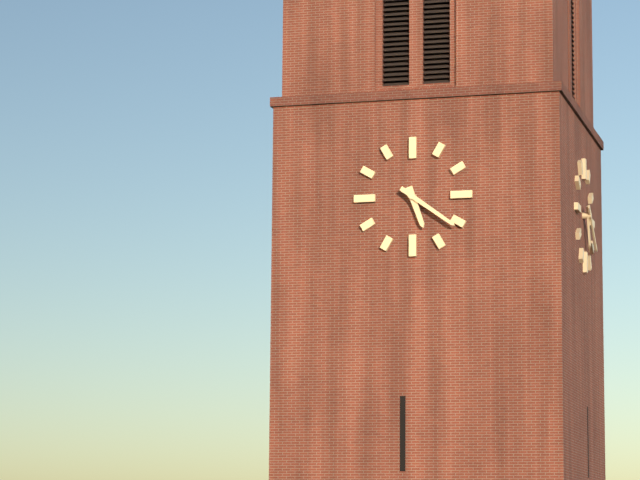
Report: 5 h 21 min
